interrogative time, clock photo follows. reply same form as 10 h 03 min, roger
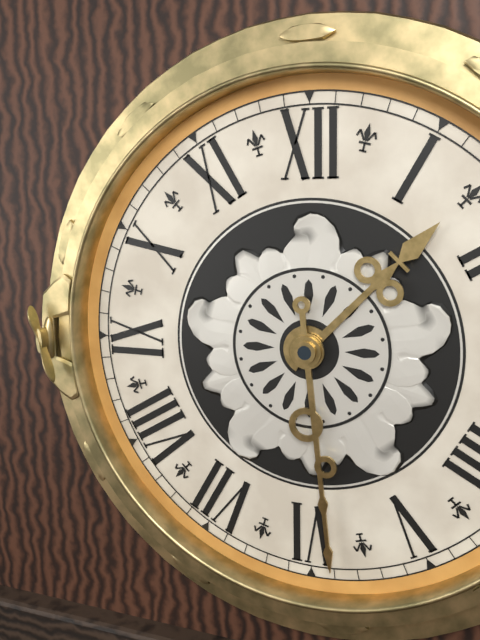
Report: 1 h 29 min
